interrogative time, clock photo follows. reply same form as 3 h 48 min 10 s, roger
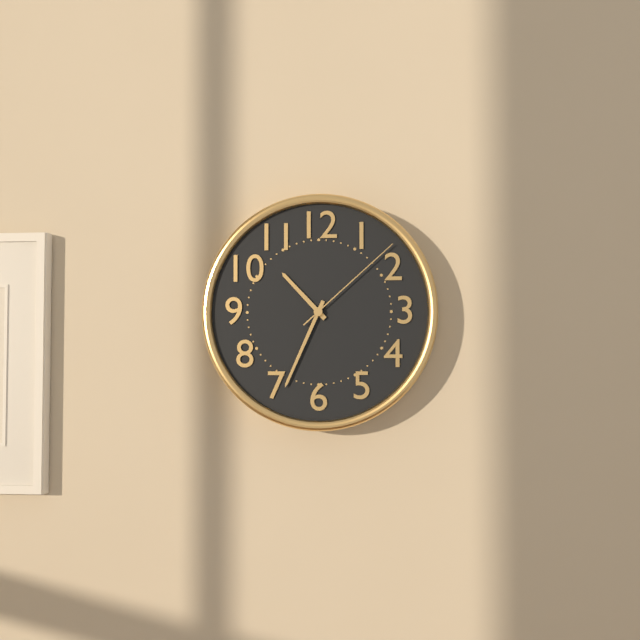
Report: 10 h 34 min 08 s
